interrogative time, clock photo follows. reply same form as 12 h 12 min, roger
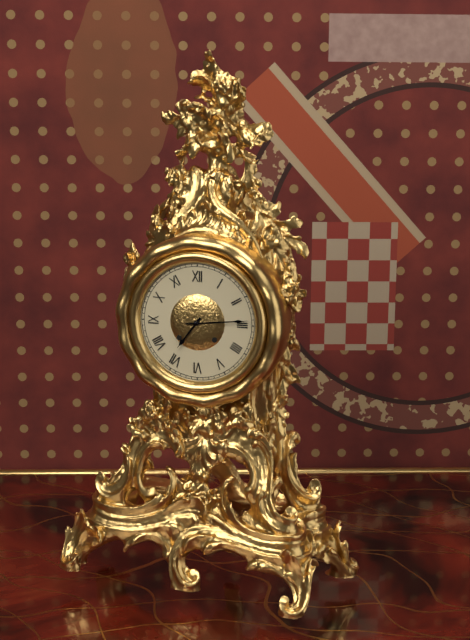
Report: 7 h 14 min
